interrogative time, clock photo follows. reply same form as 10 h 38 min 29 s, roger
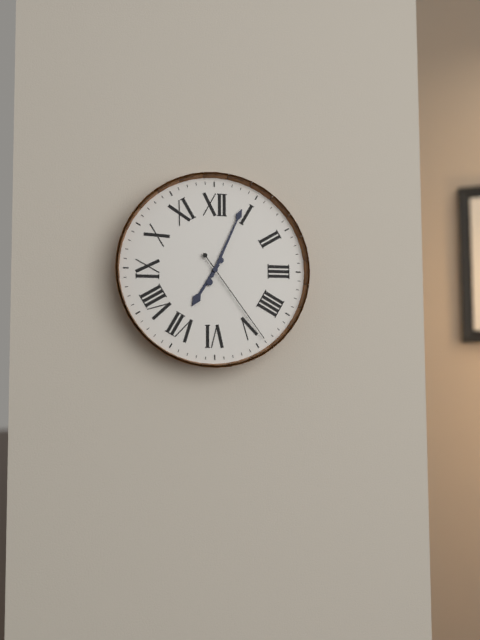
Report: 7 h 04 min 24 s
